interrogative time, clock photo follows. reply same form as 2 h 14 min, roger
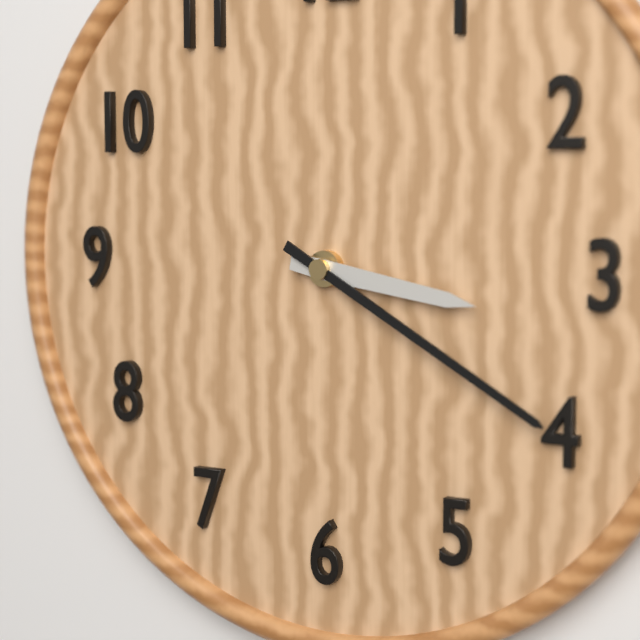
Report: 3 h 20 min
